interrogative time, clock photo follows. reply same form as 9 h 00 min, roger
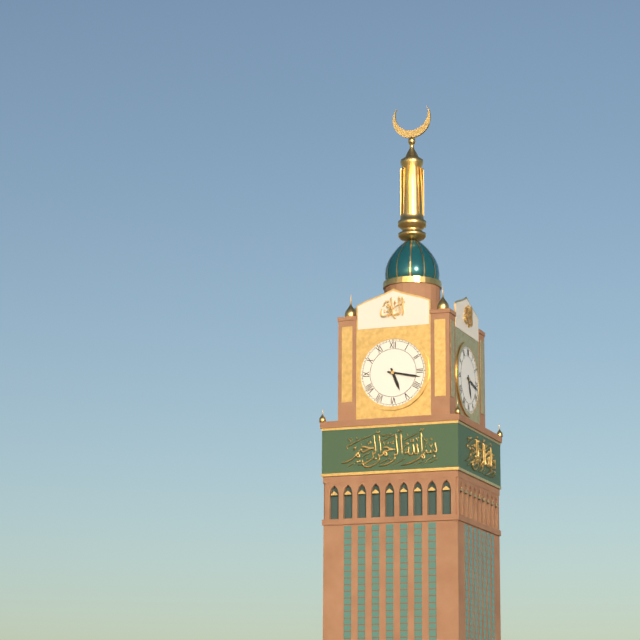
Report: 5 h 17 min
